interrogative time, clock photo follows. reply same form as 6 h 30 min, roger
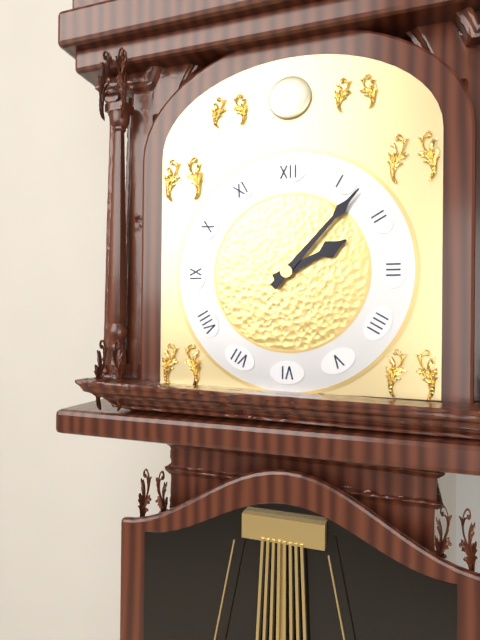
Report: 2 h 07 min
